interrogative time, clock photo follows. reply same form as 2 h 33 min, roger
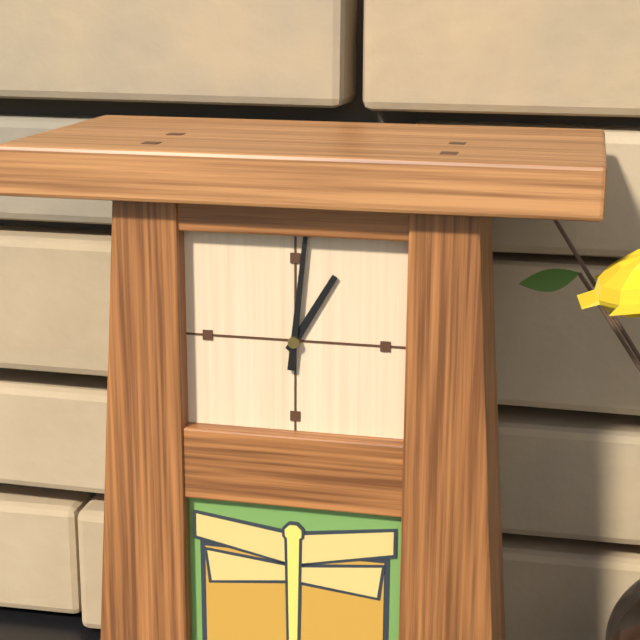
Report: 1 h 01 min
